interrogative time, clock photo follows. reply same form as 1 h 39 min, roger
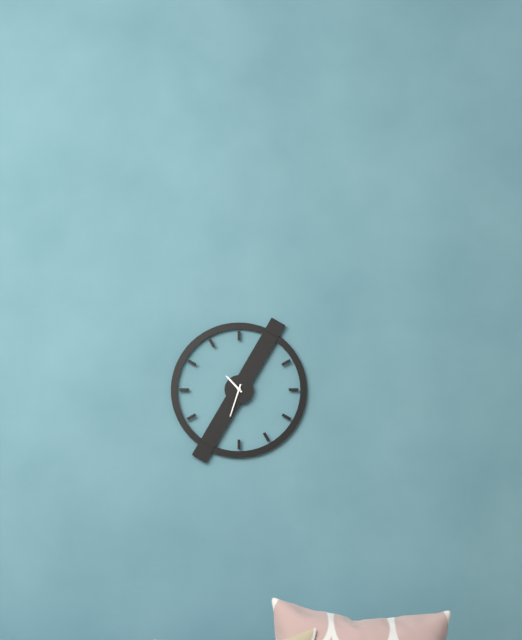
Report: 10 h 33 min
